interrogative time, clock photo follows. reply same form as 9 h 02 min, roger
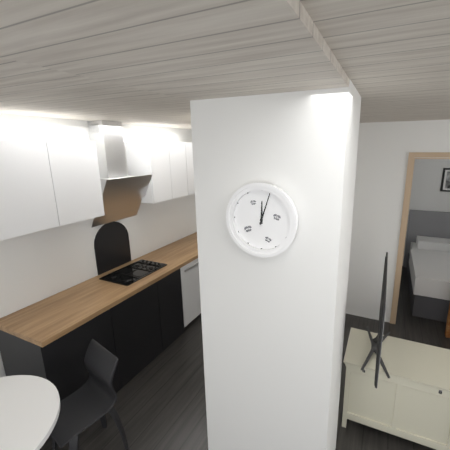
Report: 12 h 03 min
